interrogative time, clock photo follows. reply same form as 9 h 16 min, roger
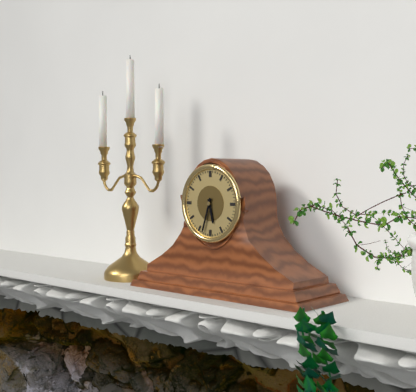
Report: 5 h 33 min
